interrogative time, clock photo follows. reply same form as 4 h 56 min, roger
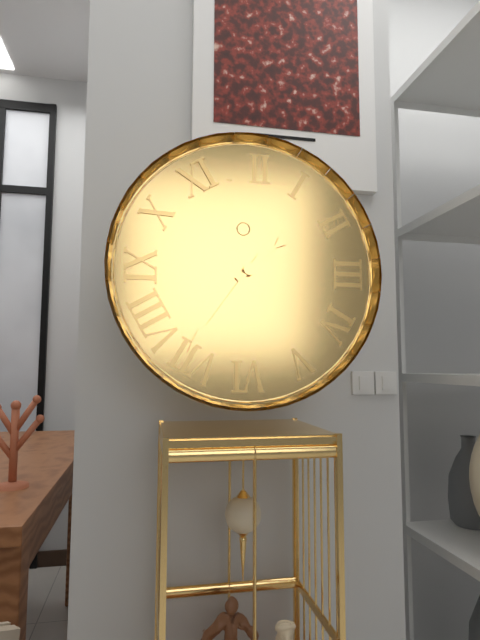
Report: 1 h 36 min
